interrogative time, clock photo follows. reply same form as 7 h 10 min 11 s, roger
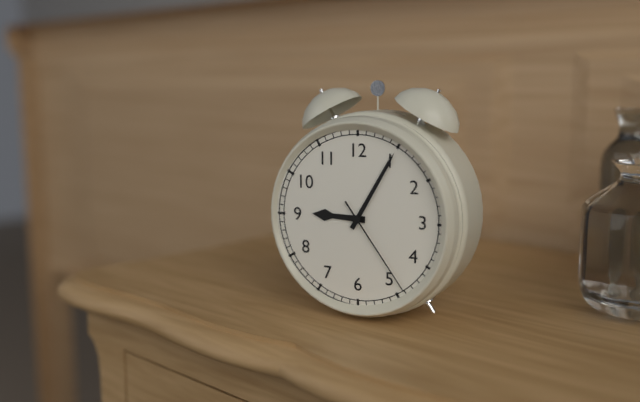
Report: 9 h 05 min 24 s
